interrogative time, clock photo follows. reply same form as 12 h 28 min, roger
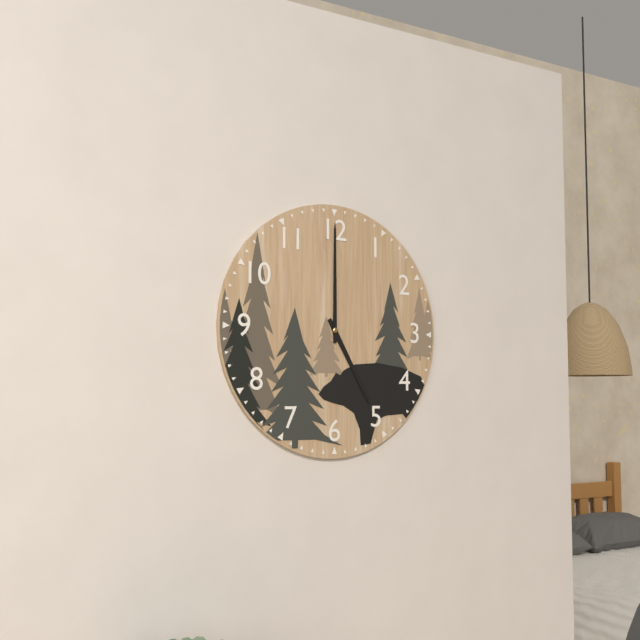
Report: 5 h 00 min
